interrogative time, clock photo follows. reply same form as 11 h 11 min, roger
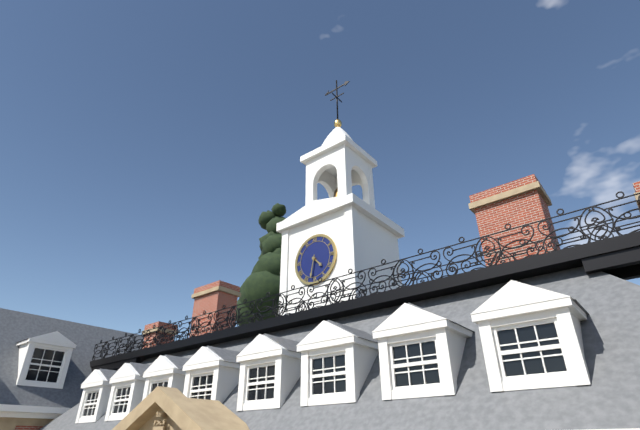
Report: 4 h 32 min
